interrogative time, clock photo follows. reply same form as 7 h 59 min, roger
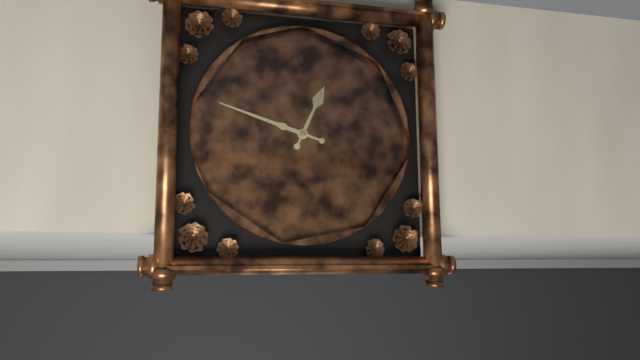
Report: 12 h 48 min
